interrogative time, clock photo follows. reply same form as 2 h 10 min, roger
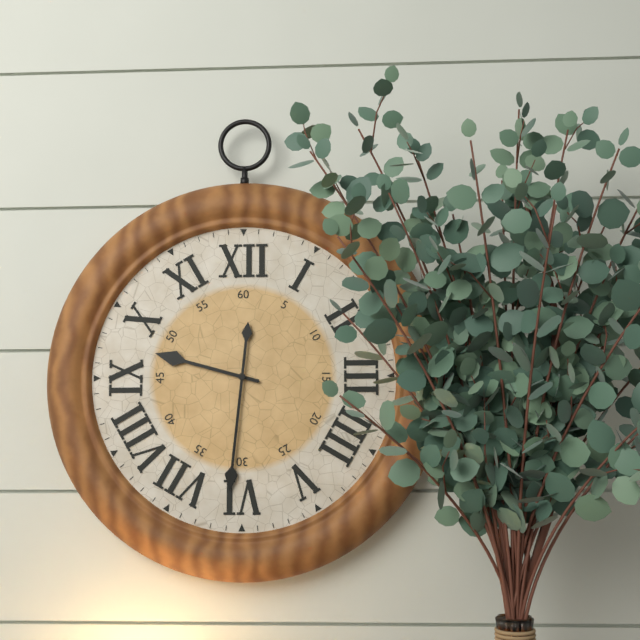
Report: 9 h 31 min
